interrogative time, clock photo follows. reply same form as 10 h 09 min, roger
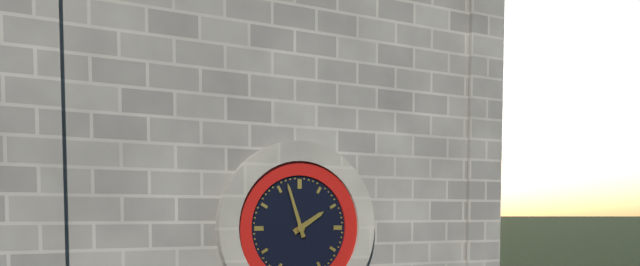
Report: 1 h 57 min
